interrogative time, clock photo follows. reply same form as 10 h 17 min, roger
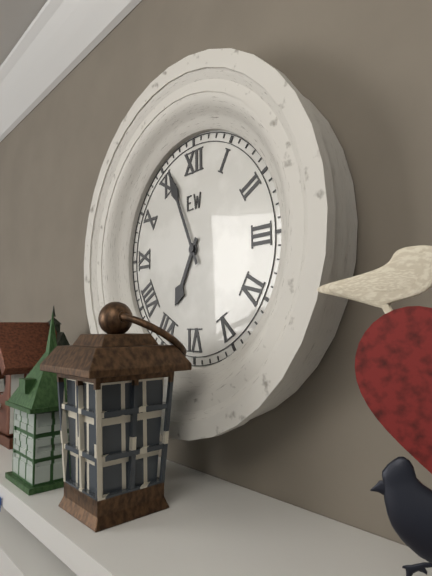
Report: 6 h 56 min
